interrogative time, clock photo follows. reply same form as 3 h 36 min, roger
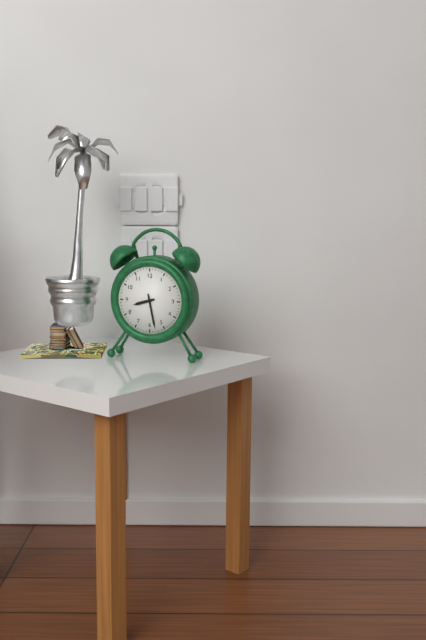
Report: 8 h 28 min
